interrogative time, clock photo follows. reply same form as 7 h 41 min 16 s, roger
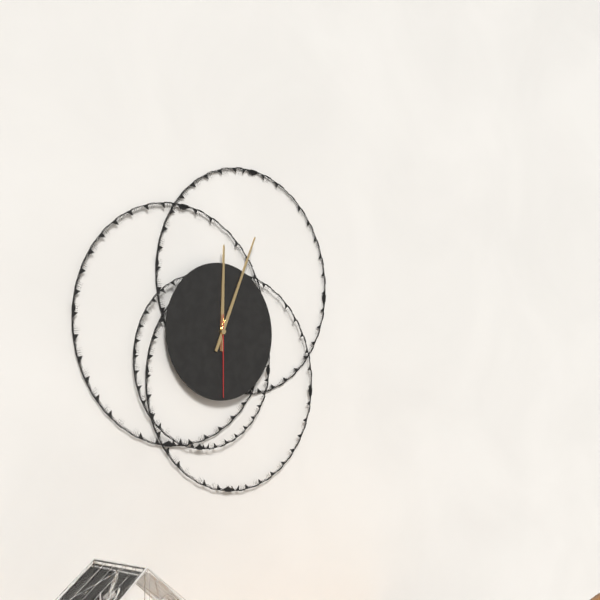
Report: 12 h 04 min 30 s
